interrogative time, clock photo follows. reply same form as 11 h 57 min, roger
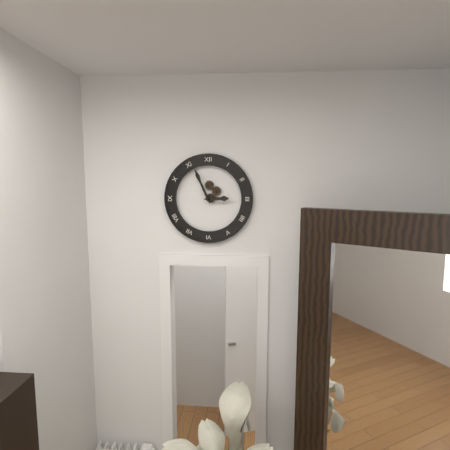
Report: 2 h 56 min
